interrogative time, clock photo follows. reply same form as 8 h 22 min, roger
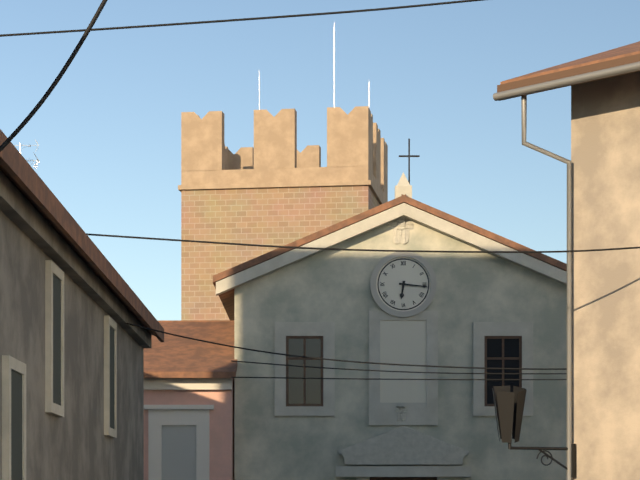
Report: 6 h 16 min
